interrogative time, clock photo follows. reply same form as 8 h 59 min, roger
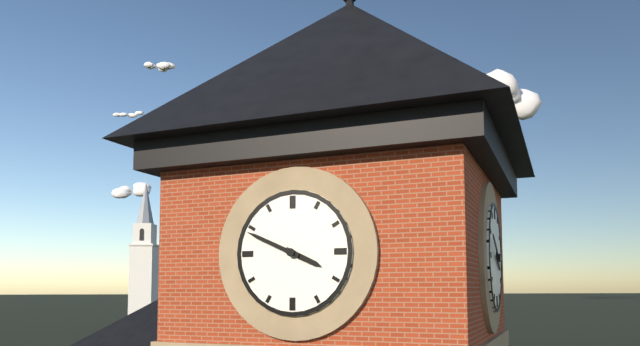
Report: 3 h 49 min
